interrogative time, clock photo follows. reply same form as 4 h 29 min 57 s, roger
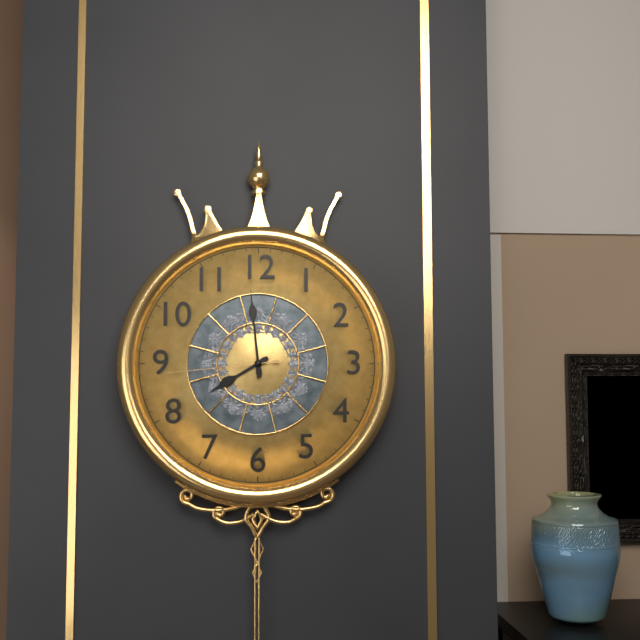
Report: 7 h 59 min 44 s
